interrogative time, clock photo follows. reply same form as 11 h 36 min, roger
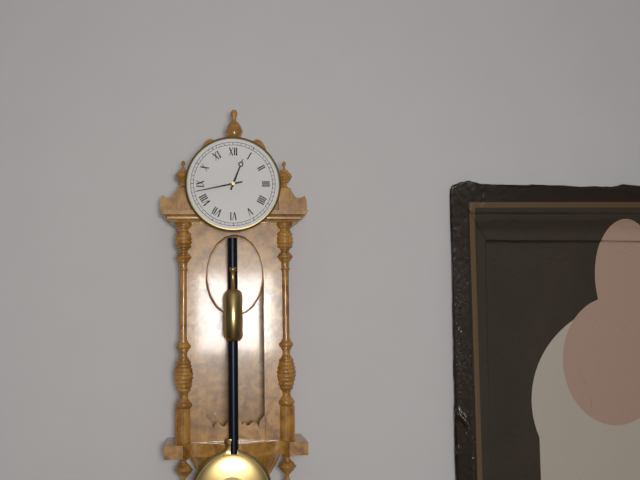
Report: 12 h 43 min
